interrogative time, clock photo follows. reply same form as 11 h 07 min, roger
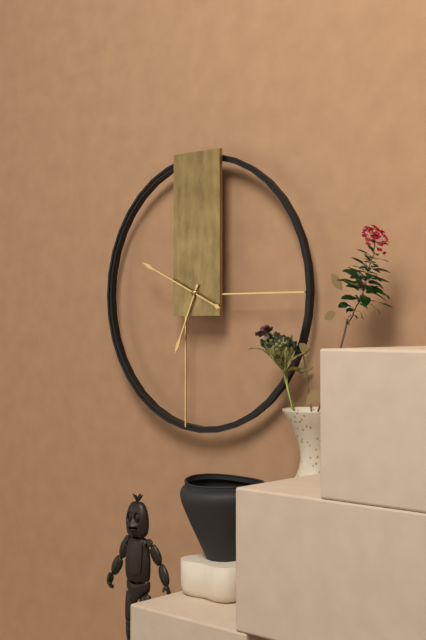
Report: 6 h 49 min
